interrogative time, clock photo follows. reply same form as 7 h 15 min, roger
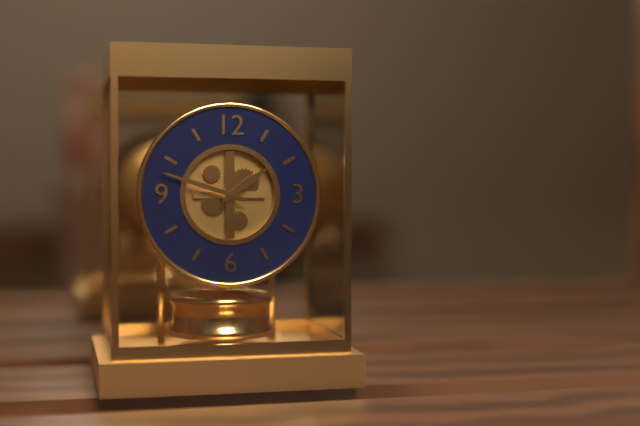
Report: 1 h 48 min
